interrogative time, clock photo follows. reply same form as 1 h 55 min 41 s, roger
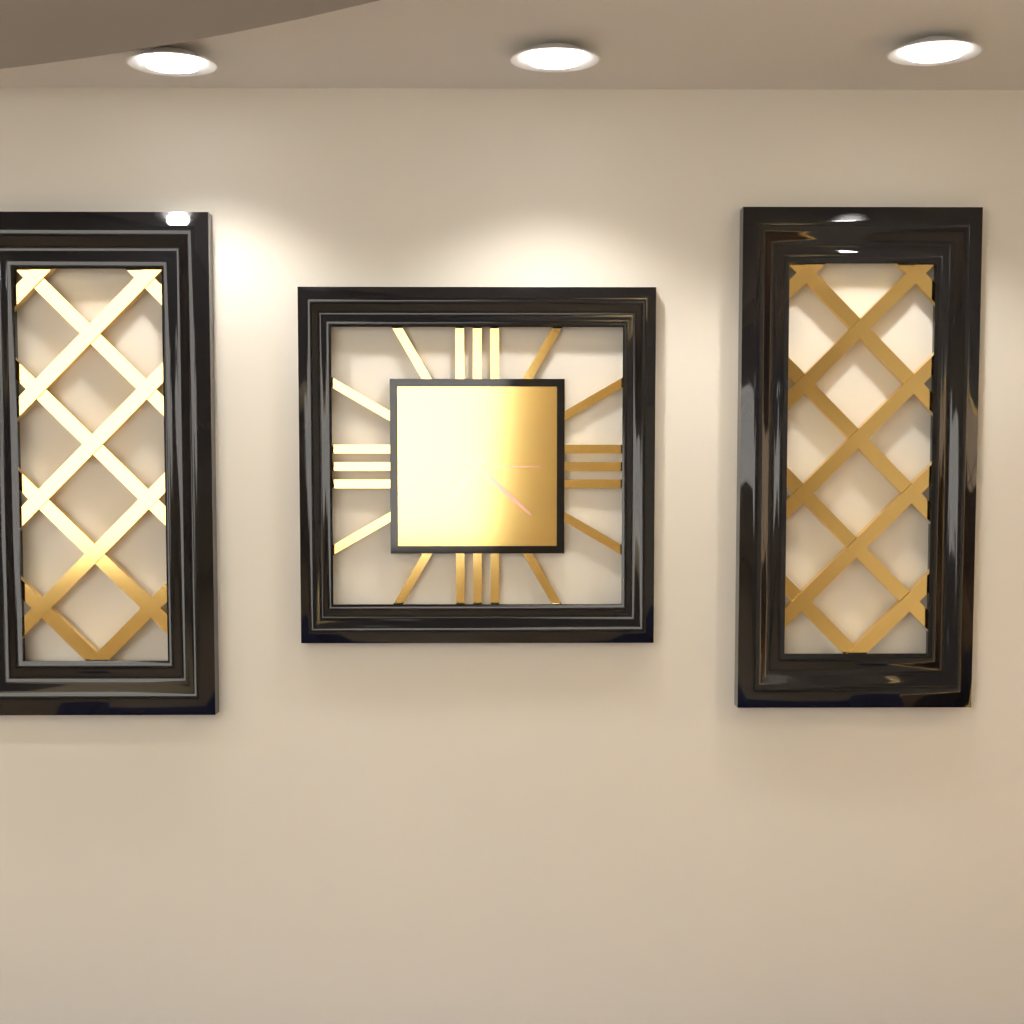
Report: 7 h 22 min 15 s
